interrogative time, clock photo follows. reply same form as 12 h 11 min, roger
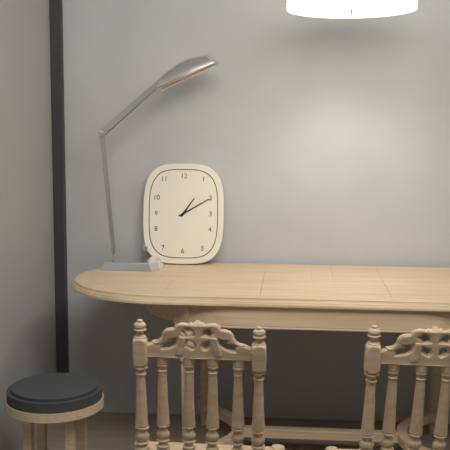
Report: 1 h 10 min
